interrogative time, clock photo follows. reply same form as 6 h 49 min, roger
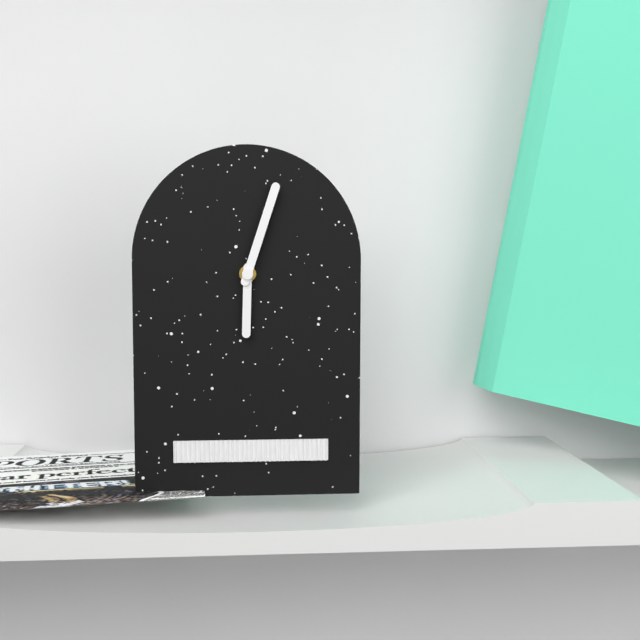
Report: 6 h 03 min
